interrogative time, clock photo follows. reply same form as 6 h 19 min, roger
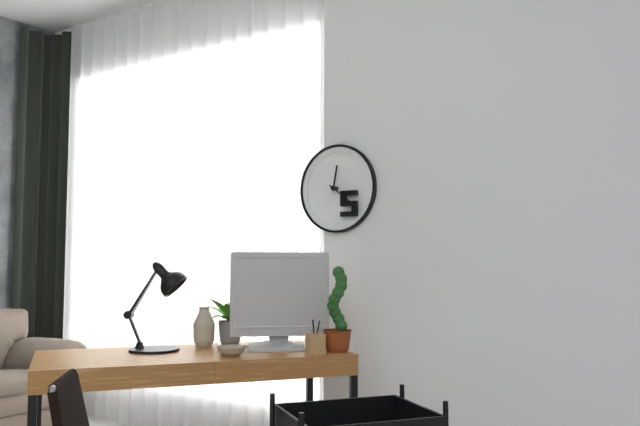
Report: 12 h 21 min
